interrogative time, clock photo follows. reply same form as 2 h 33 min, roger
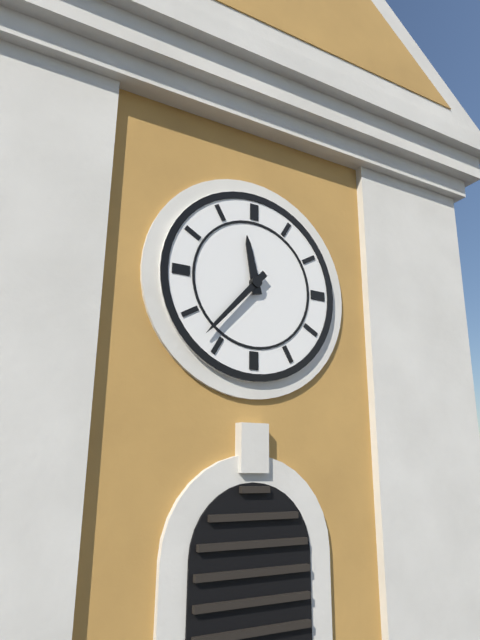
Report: 11 h 37 min
